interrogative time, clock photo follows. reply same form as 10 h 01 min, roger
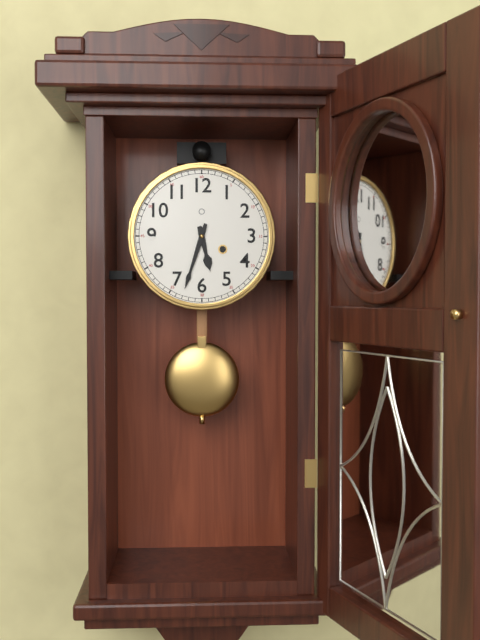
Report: 5 h 33 min
